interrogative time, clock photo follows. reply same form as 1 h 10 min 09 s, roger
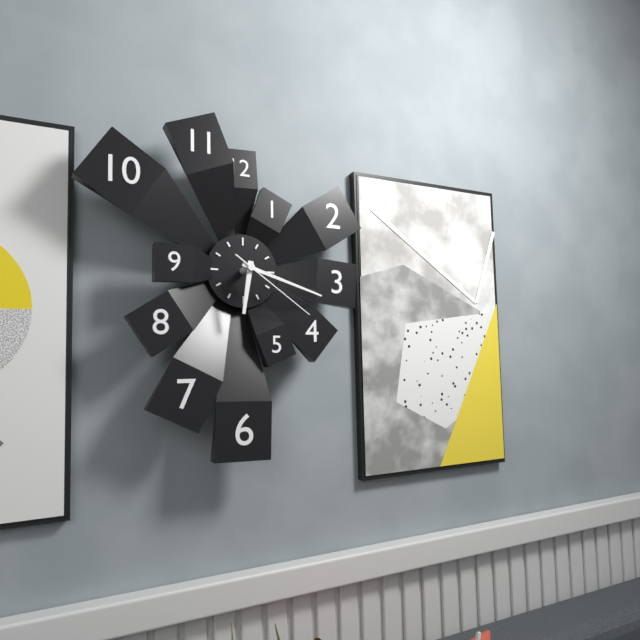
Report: 6 h 18 min 21 s
